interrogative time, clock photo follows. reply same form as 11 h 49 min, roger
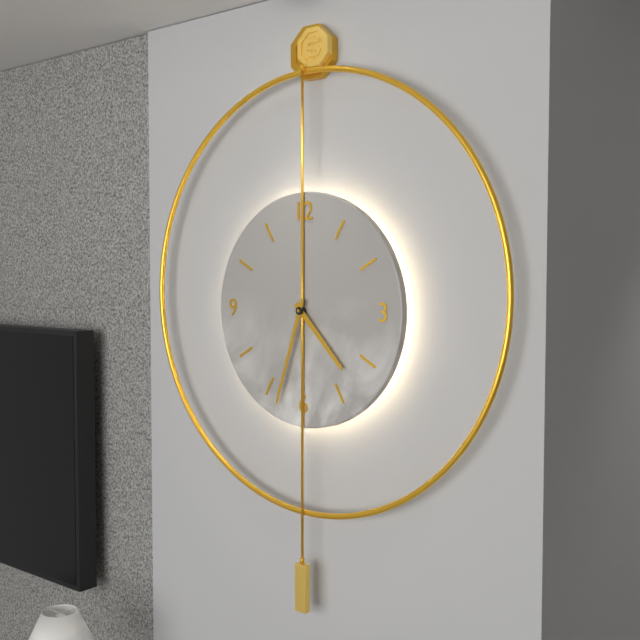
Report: 4 h 33 min
